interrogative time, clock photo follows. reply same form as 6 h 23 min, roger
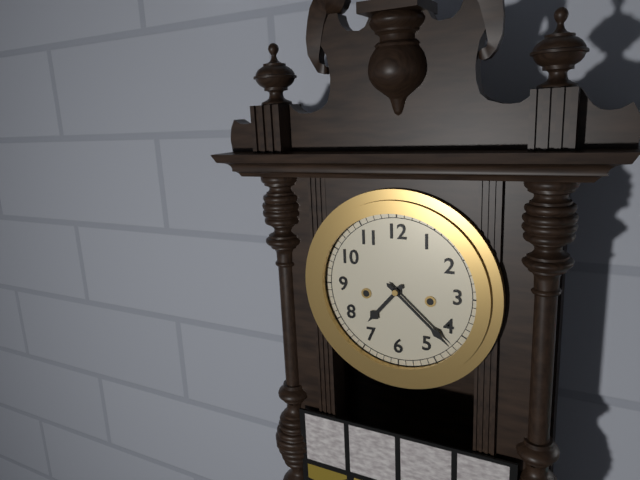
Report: 7 h 22 min
